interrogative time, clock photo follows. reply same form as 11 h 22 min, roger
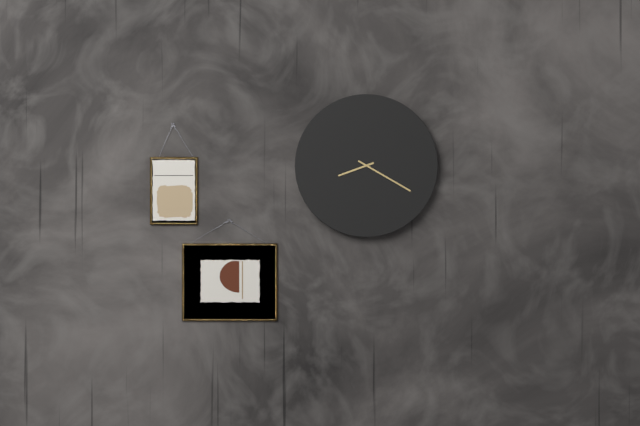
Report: 8 h 20 min
